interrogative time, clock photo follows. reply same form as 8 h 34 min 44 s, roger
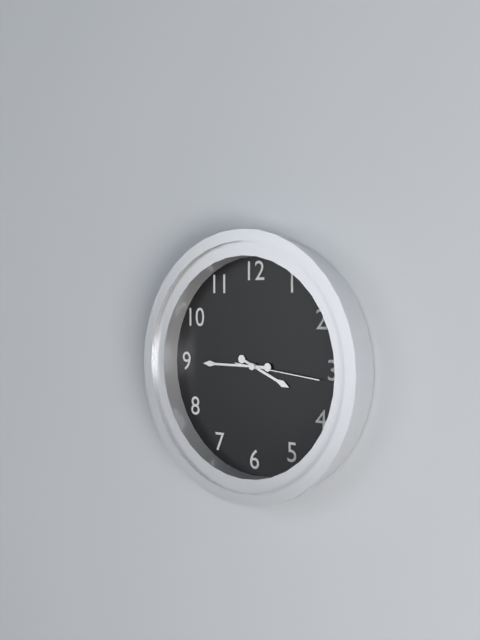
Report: 3 h 45 min 16 s
